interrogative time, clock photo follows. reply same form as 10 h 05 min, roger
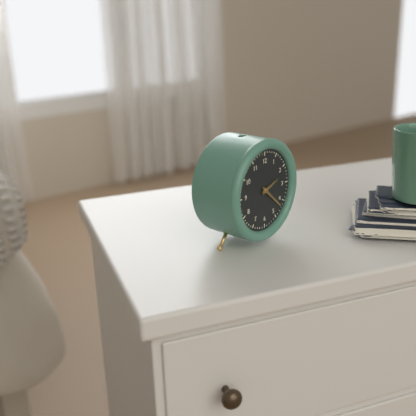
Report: 2 h 22 min
